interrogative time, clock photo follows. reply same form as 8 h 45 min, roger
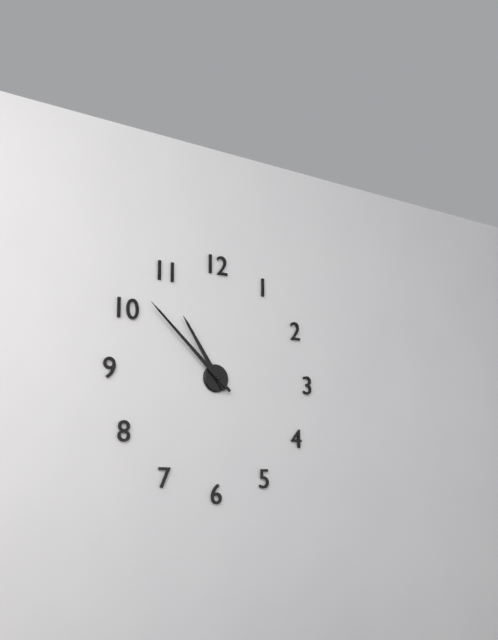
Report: 10 h 52 min
